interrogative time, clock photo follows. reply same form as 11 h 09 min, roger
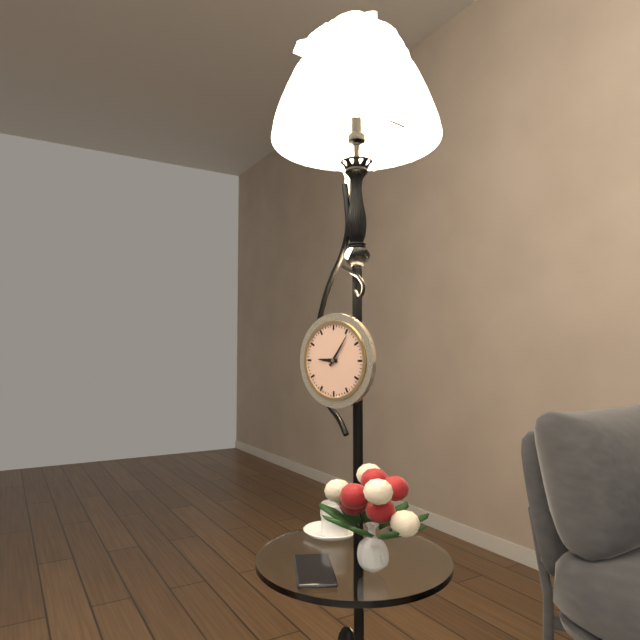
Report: 9 h 06 min
